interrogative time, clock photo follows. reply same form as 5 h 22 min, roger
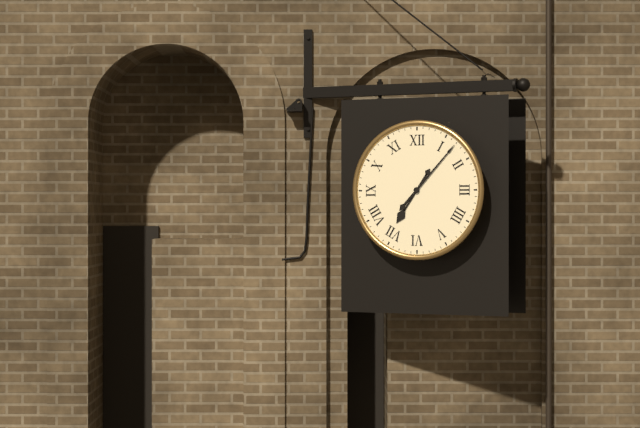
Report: 7 h 07 min
